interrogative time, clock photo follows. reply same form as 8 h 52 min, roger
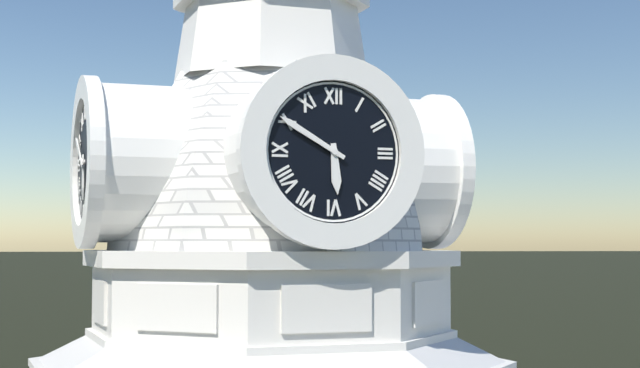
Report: 5 h 50 min
